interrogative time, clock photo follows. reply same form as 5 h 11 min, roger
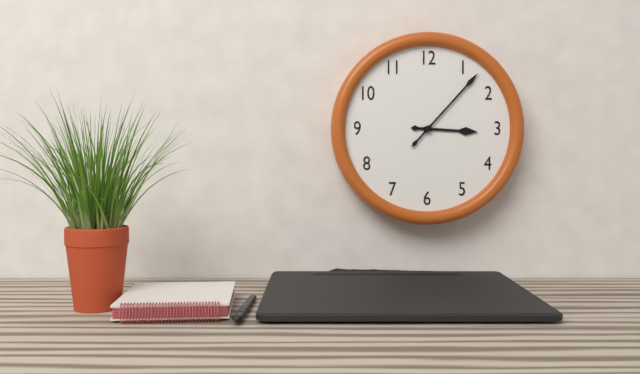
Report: 3 h 07 min
